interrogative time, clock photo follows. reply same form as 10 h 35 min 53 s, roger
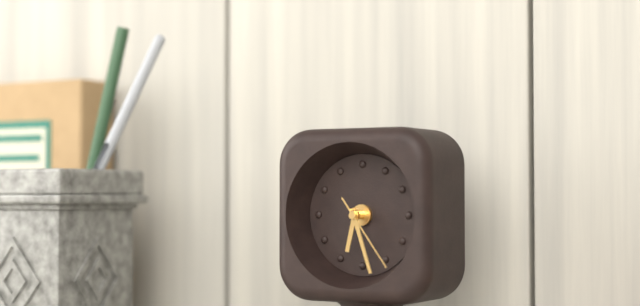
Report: 6 h 27 min 24 s
